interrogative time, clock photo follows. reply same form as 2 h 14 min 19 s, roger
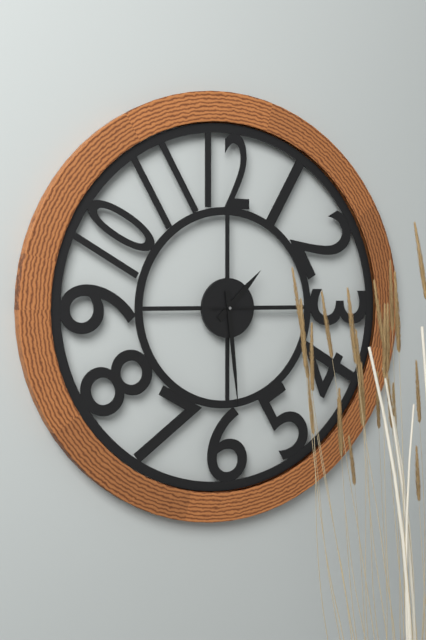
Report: 1 h 29 min 15 s
